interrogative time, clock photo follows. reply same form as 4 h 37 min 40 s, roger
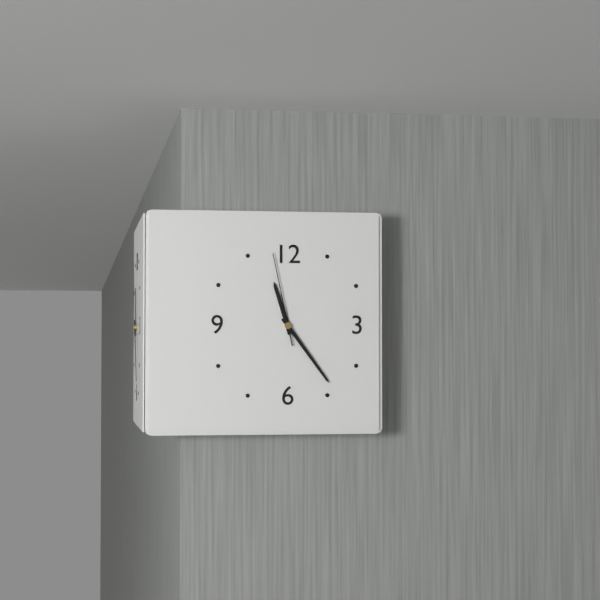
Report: 11 h 24 min 58 s
